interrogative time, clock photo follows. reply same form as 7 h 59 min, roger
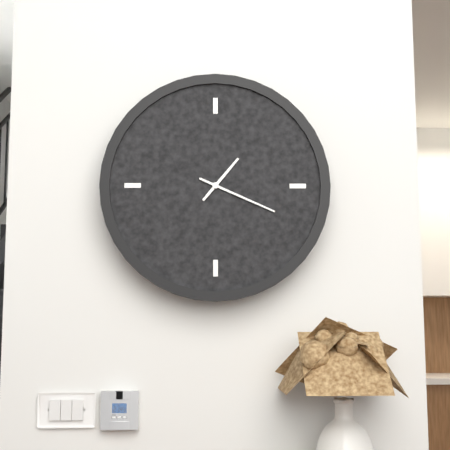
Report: 1 h 19 min
